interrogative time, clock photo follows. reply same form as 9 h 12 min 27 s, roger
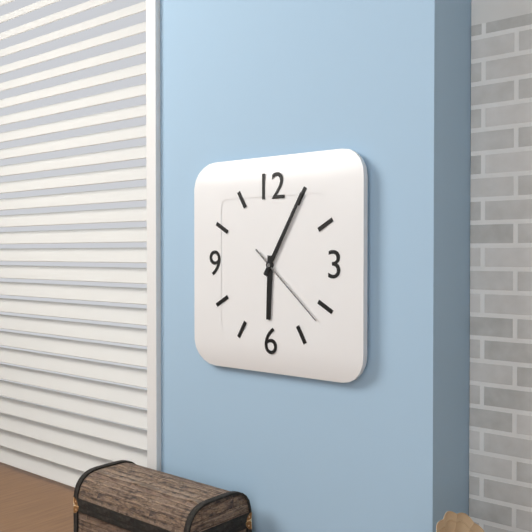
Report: 6 h 05 min 22 s
